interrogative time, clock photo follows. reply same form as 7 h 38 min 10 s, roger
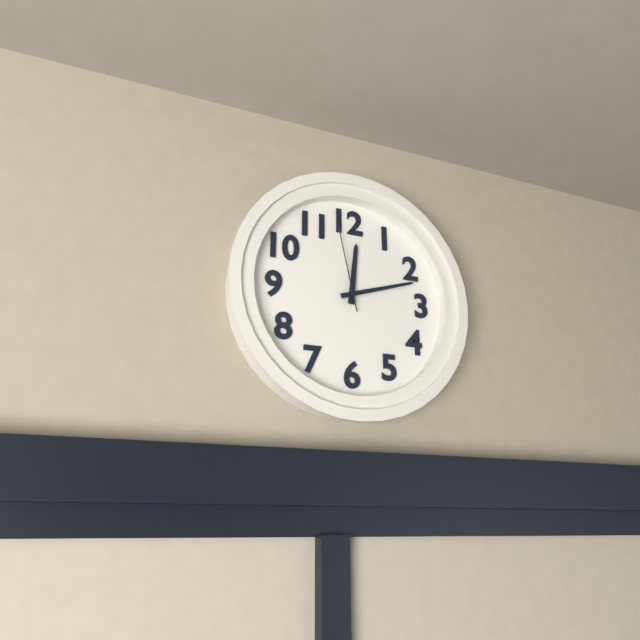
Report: 12 h 12 min 58 s
